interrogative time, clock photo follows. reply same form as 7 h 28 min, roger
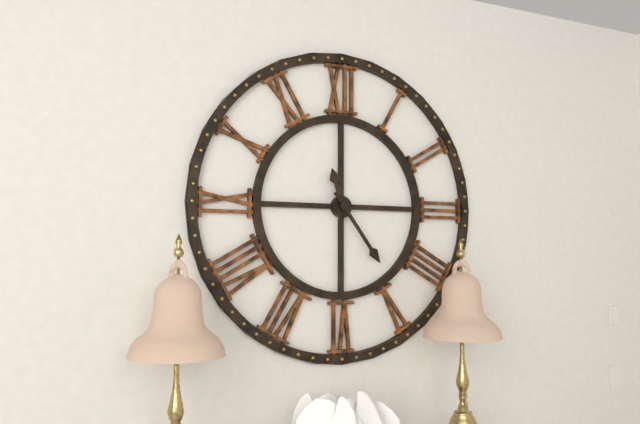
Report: 11 h 24 min
